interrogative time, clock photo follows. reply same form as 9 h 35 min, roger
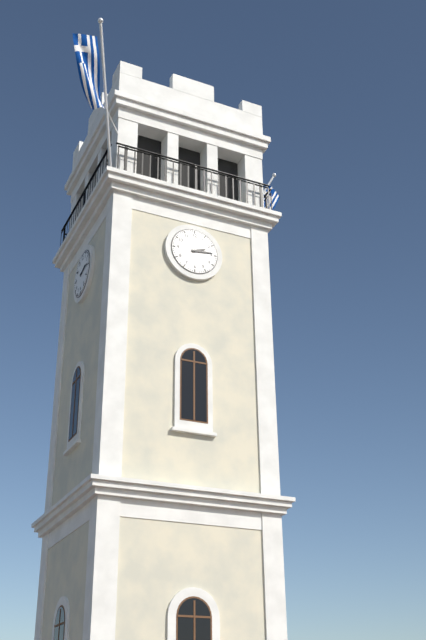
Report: 2 h 14 min
